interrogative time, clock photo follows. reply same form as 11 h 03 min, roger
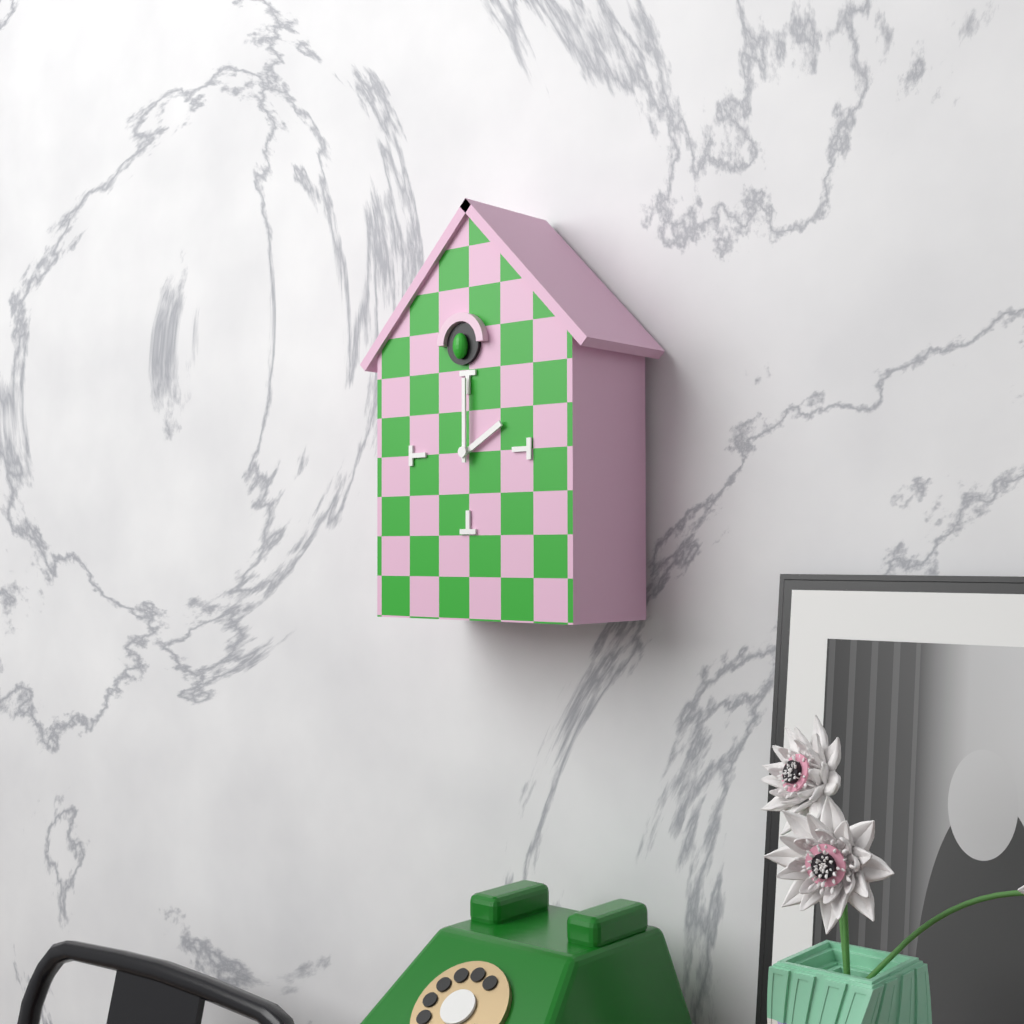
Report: 2 h 00 min
